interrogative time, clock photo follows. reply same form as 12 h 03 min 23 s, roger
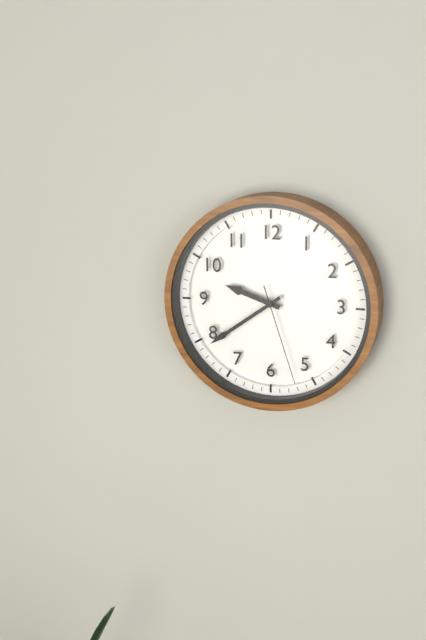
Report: 9 h 39 min 27 s
